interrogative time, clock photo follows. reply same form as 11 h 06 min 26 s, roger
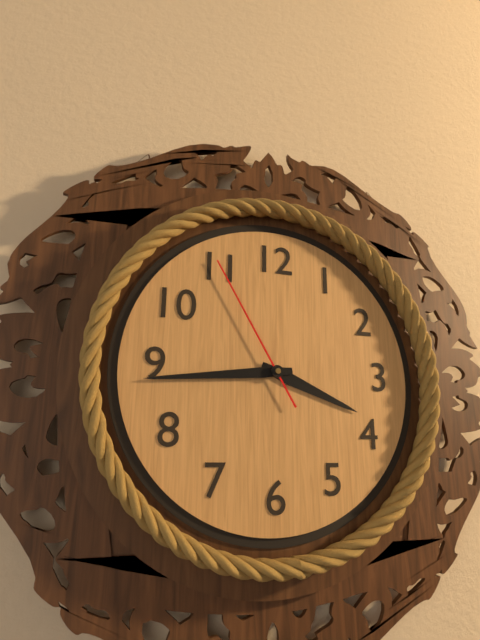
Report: 3 h 44 min 55 s
